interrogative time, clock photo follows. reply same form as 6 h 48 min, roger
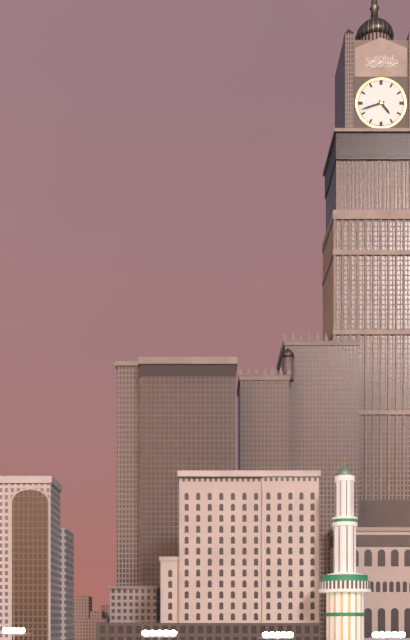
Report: 4 h 42 min
